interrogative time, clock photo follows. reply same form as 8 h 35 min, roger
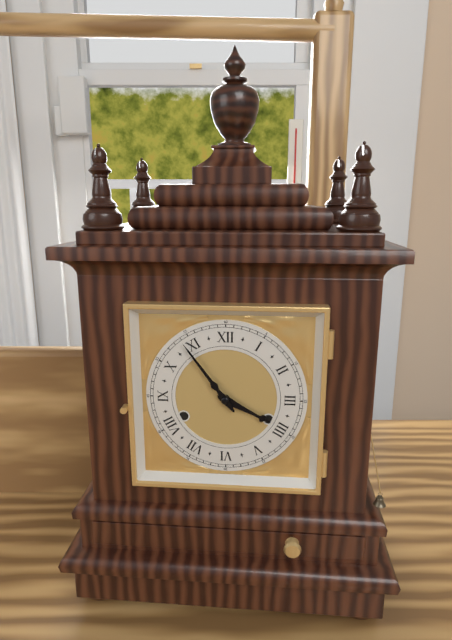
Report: 3 h 54 min
